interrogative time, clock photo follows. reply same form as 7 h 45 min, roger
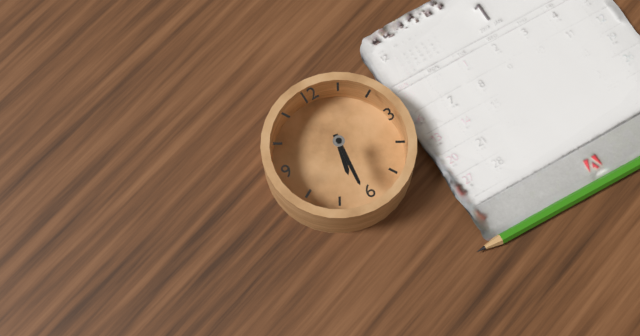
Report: 6 h 31 min
